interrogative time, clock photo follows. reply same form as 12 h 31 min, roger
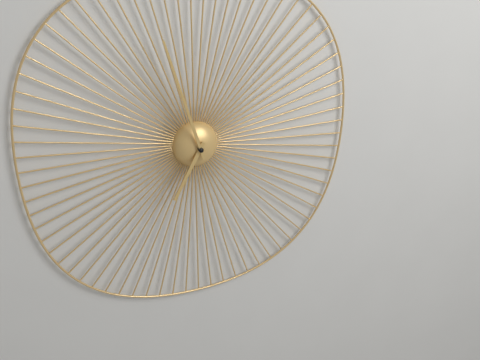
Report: 6 h 57 min
